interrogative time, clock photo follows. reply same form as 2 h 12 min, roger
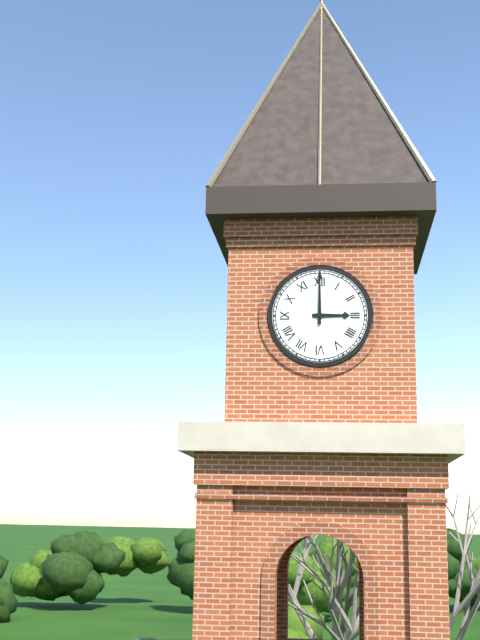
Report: 3 h 00 min
